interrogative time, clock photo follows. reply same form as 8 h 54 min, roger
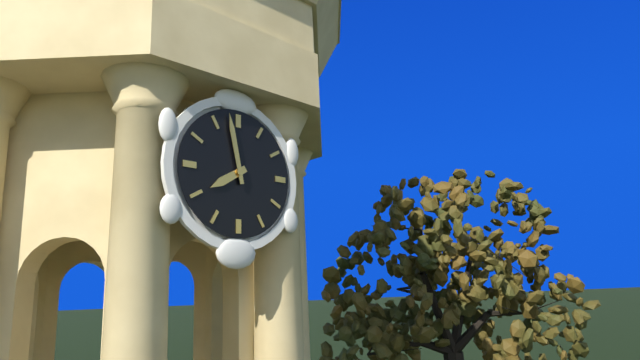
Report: 7 h 58 min
